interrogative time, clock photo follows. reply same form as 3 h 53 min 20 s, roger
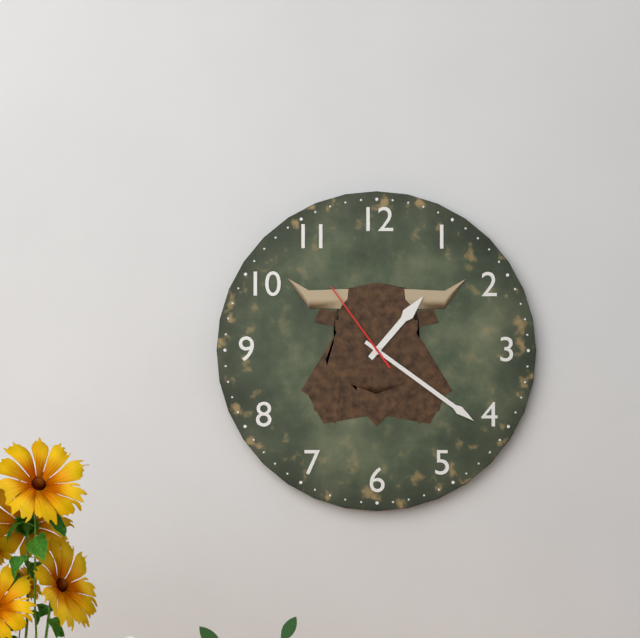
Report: 1 h 21 min 54 s
